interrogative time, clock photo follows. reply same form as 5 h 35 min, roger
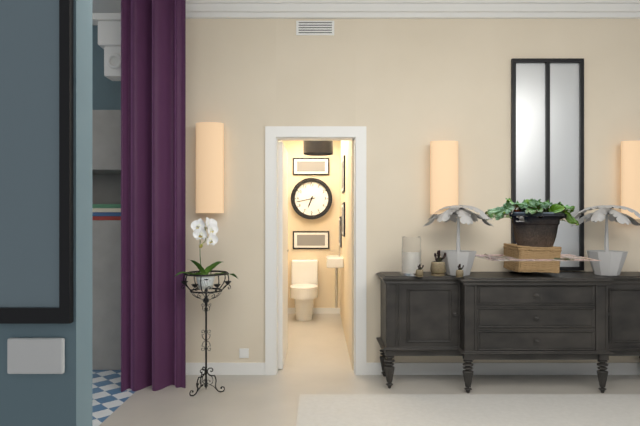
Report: 6 h 43 min
